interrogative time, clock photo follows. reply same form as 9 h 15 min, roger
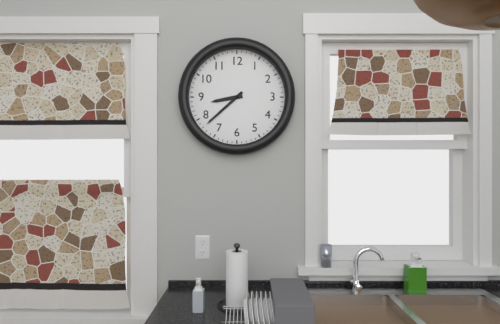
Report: 8 h 38 min
